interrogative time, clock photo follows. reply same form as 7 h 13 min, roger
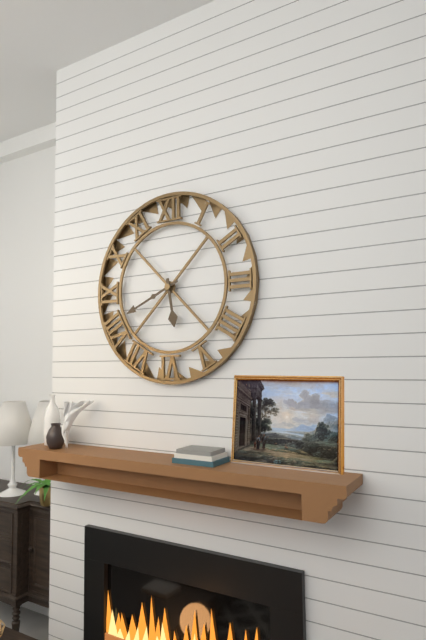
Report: 5 h 41 min
